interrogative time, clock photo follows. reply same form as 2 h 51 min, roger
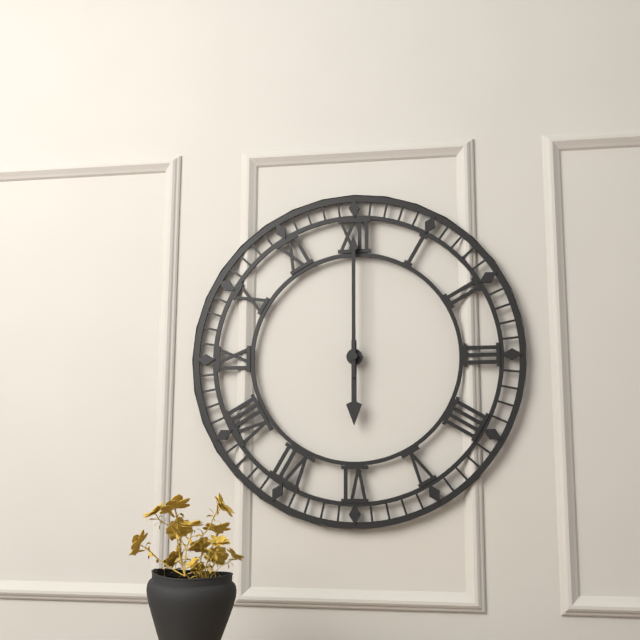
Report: 6 h 00 min
